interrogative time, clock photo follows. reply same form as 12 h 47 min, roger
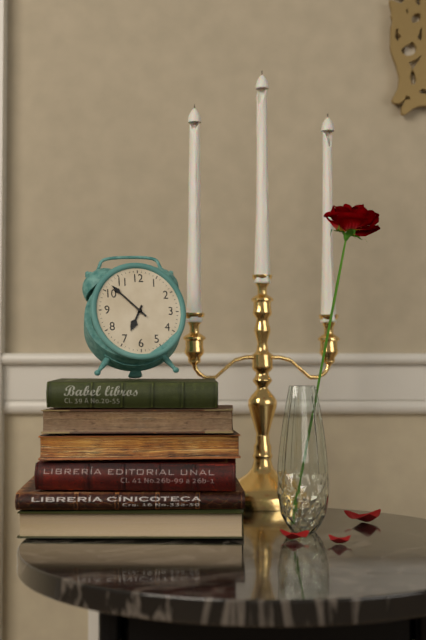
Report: 6 h 52 min
